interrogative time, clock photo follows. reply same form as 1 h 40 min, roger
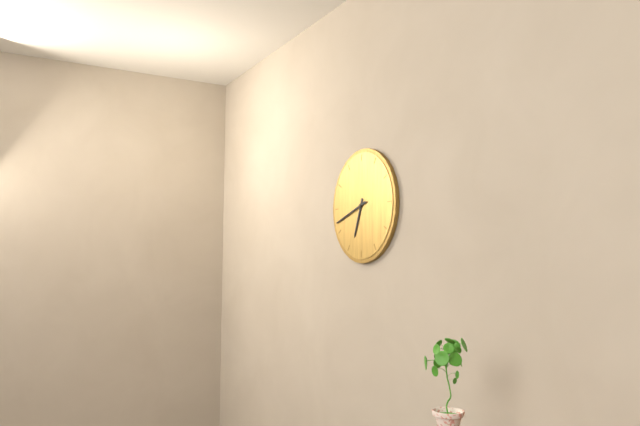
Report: 6 h 42 min
